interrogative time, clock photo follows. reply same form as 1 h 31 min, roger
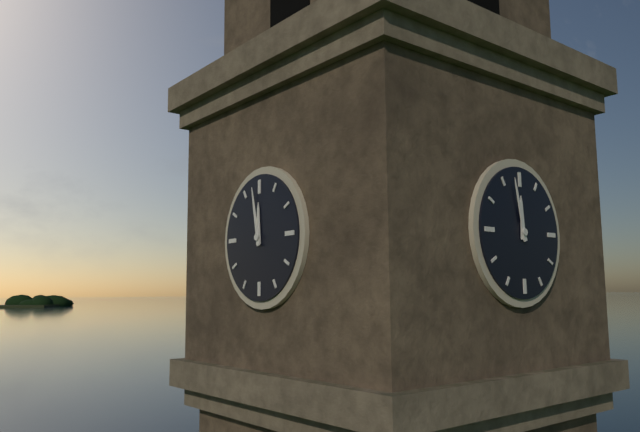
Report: 11 h 58 min
